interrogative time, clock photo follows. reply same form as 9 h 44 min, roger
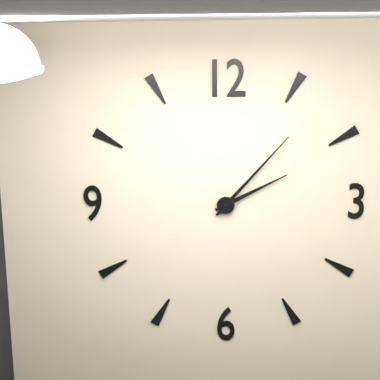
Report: 2 h 07 min
